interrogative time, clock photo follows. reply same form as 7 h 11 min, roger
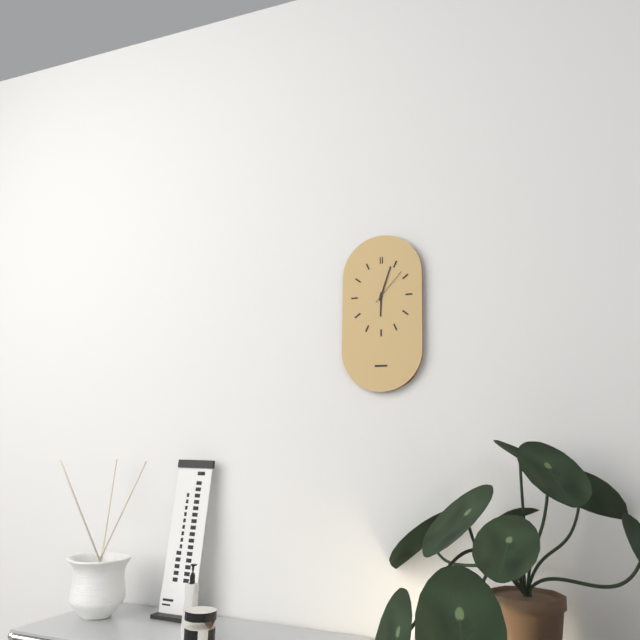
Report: 6 h 03 min
